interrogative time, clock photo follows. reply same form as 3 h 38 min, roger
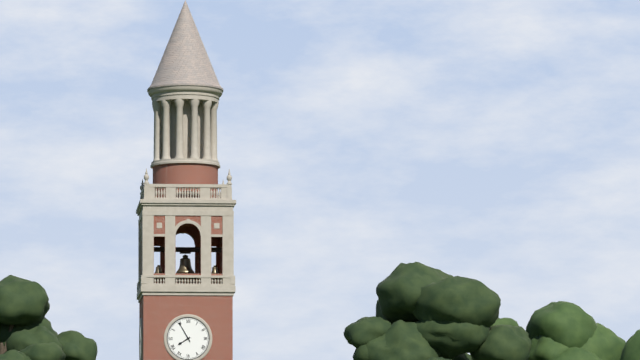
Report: 7 h 55 min
